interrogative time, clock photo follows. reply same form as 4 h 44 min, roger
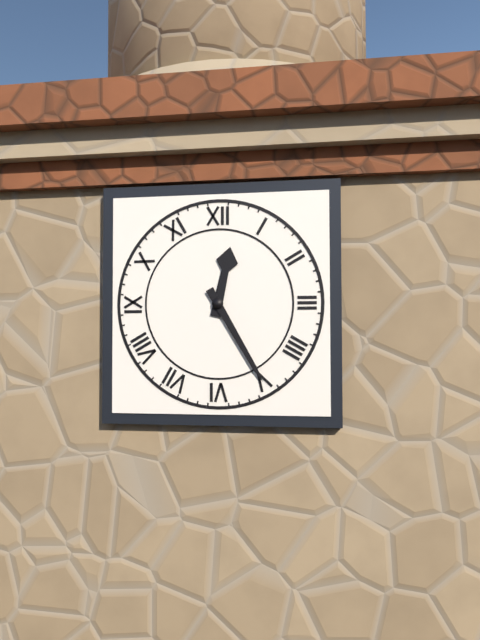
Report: 12 h 25 min
